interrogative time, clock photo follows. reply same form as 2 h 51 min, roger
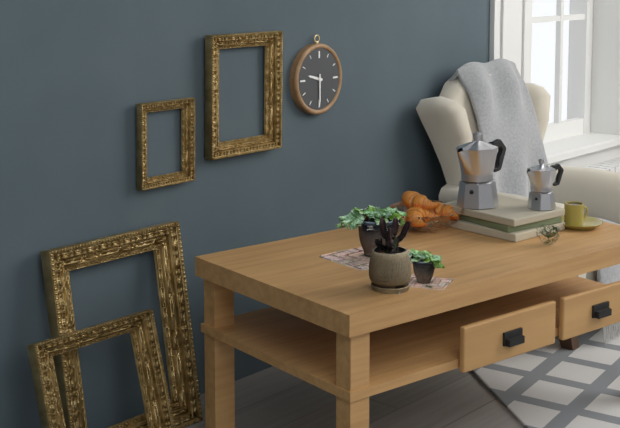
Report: 9 h 30 min
